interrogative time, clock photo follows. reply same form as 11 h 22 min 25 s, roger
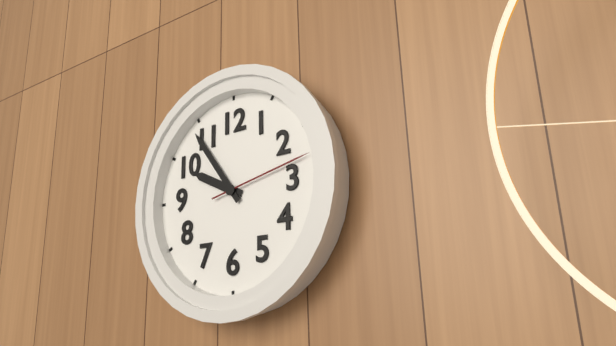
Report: 9 h 54 min 13 s
